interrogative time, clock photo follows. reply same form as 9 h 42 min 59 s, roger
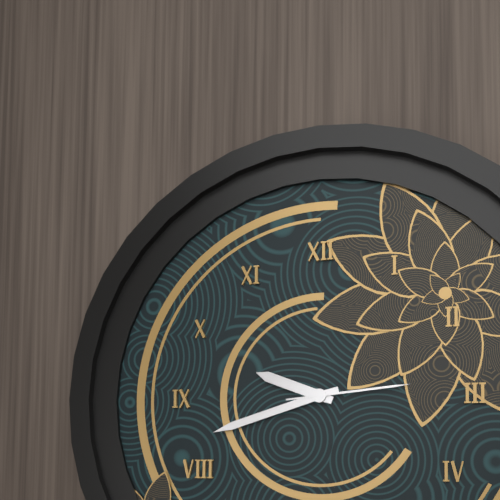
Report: 9 h 42 min 14 s
